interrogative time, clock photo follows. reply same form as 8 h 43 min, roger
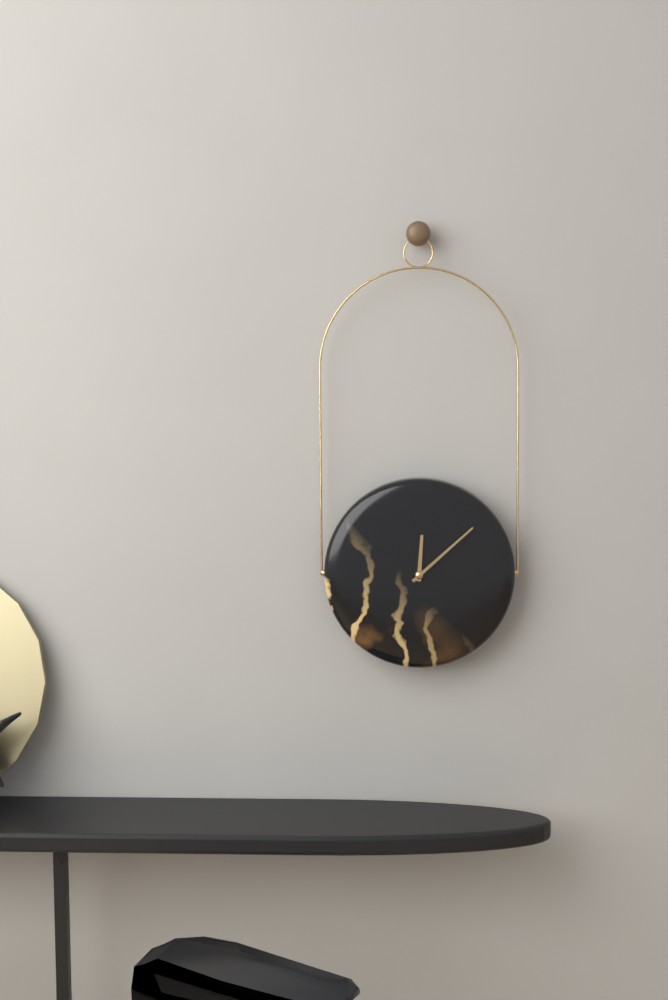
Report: 12 h 08 min
